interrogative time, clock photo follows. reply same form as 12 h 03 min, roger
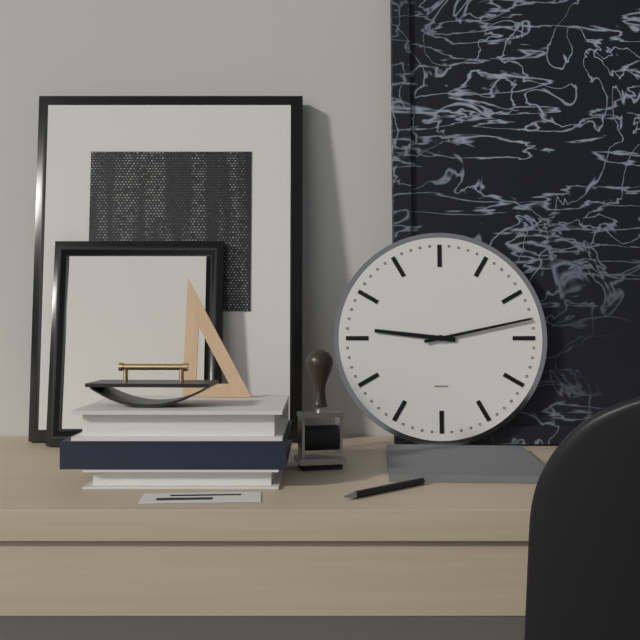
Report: 9 h 13 min
